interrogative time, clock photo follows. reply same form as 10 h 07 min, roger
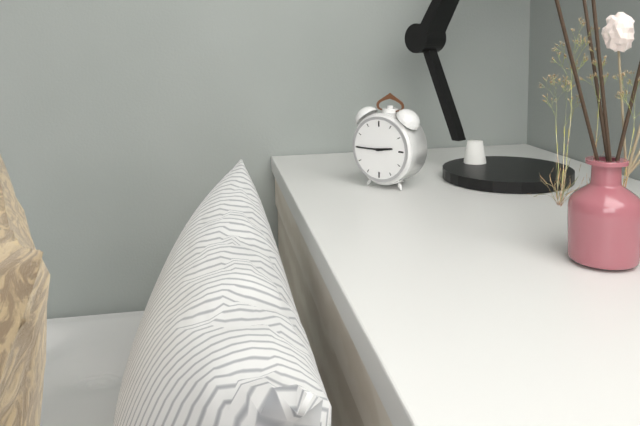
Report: 2 h 45 min
